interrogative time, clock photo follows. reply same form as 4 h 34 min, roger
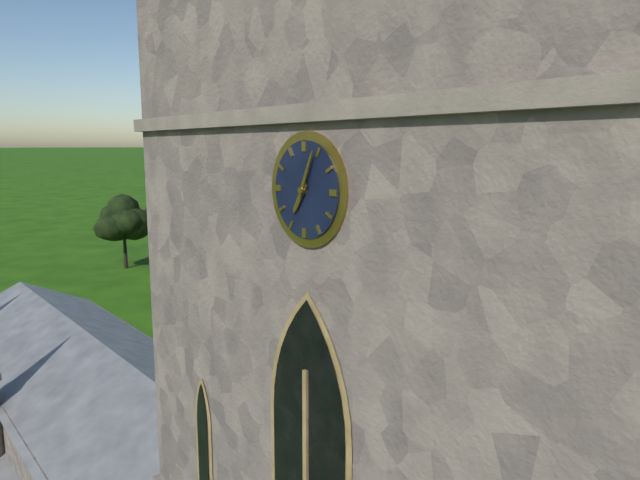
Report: 7 h 04 min
